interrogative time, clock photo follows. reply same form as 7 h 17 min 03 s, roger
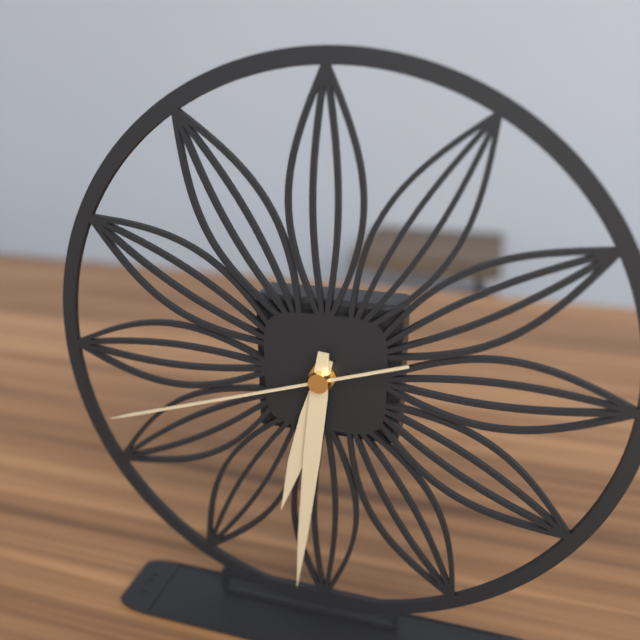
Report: 6 h 31 min 42 s
